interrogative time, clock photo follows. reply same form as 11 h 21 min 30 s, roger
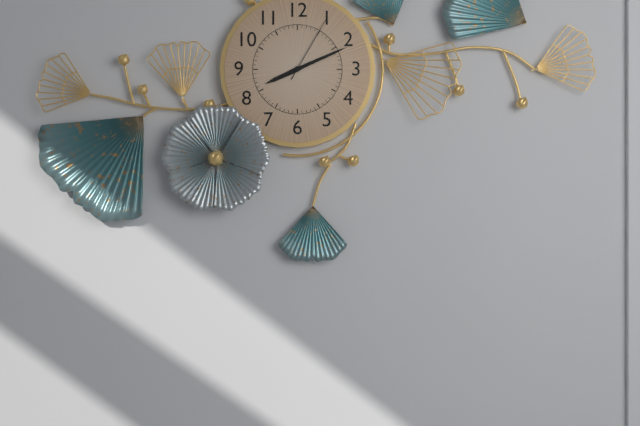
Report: 8 h 11 min 05 s
